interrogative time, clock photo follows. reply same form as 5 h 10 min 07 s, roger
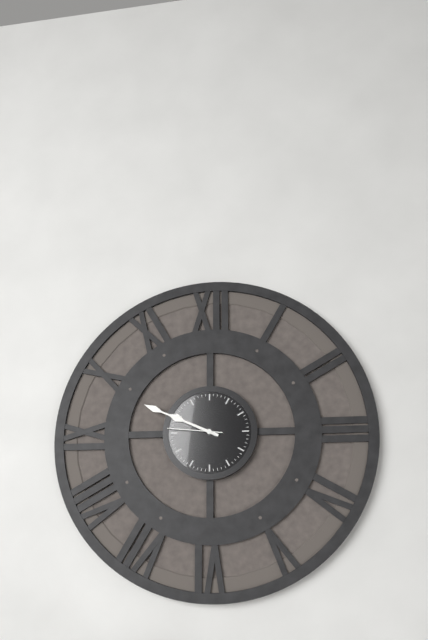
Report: 9 h 49 min 46 s
